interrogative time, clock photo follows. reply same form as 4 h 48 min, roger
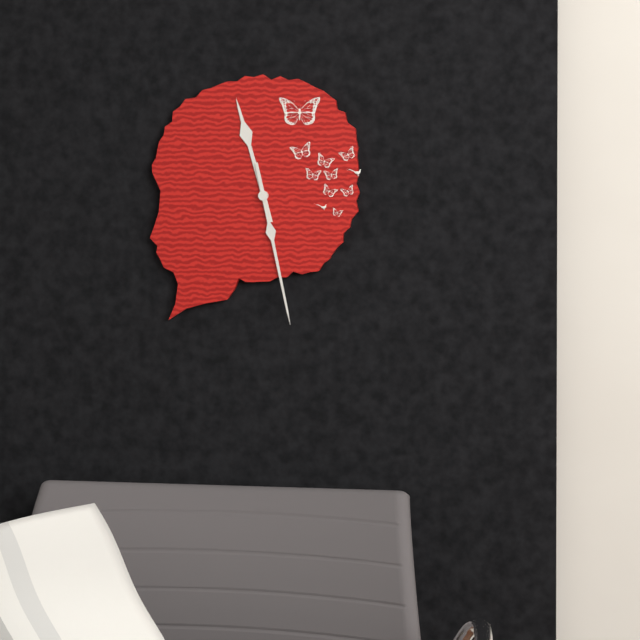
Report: 11 h 28 min
